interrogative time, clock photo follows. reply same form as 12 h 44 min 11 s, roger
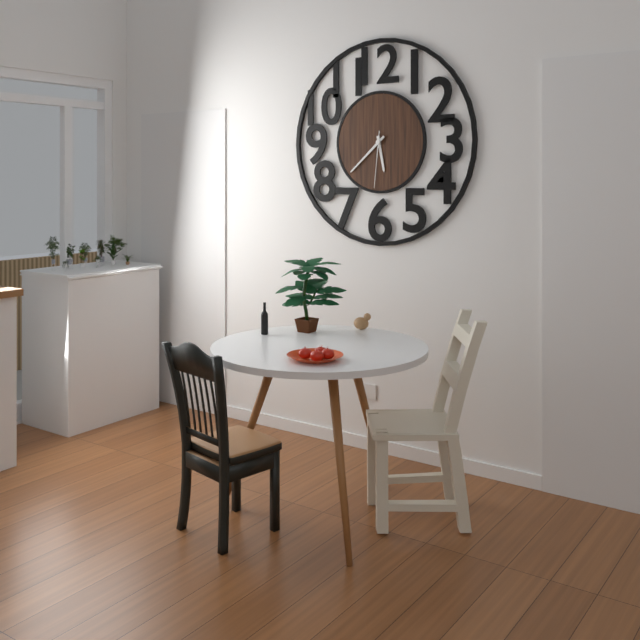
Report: 5 h 38 min 31 s
